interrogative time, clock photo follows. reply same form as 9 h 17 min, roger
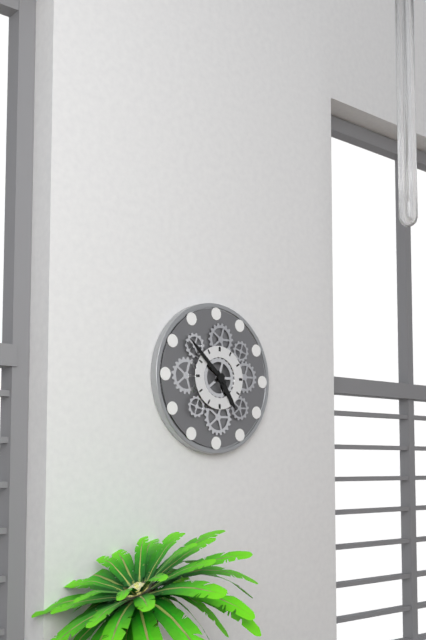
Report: 4 h 52 min
